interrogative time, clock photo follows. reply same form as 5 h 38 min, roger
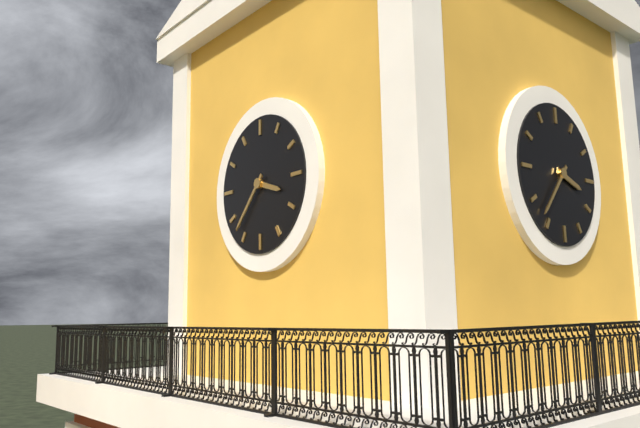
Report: 3 h 37 min
